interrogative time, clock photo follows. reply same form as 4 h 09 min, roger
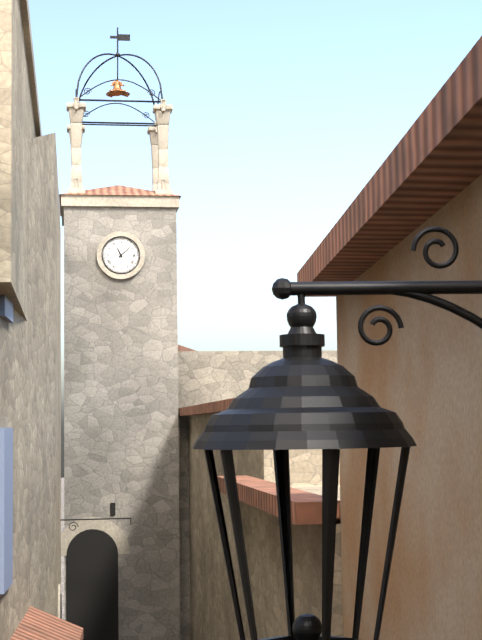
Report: 11 h 08 min
